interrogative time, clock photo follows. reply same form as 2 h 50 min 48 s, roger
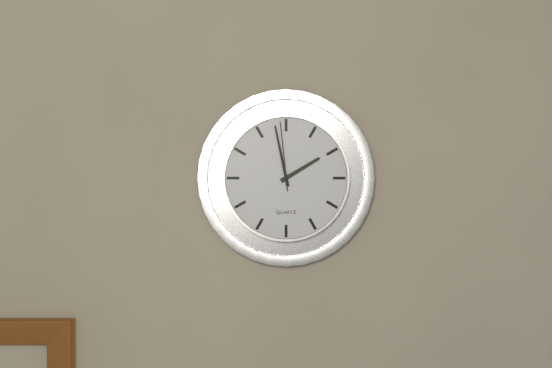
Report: 1 h 58 min 59 s
